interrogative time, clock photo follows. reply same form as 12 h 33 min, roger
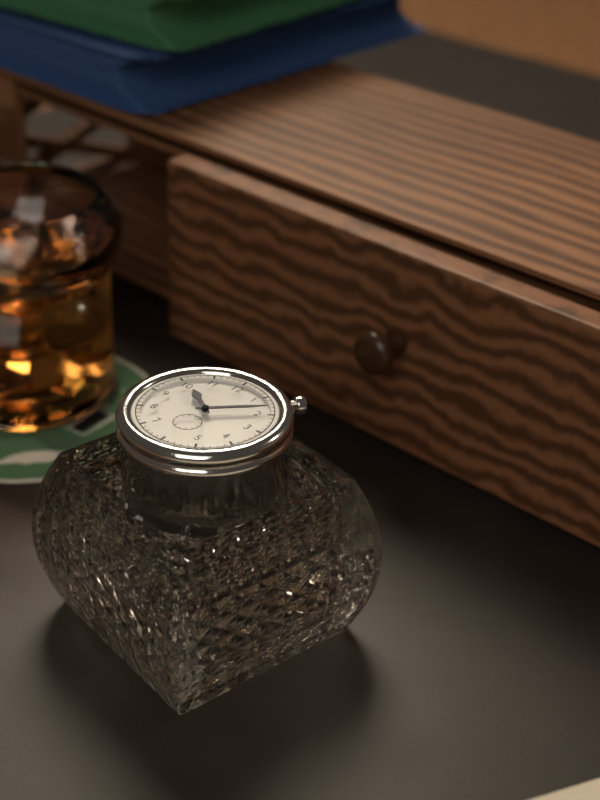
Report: 10 h 08 min
